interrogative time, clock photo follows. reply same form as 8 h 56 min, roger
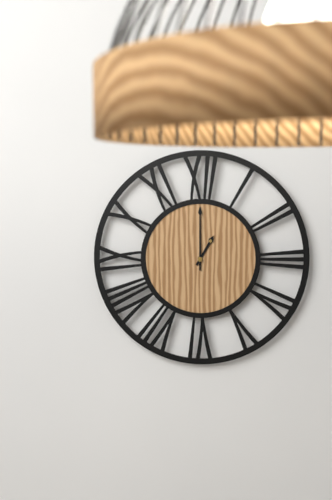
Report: 1 h 00 min
